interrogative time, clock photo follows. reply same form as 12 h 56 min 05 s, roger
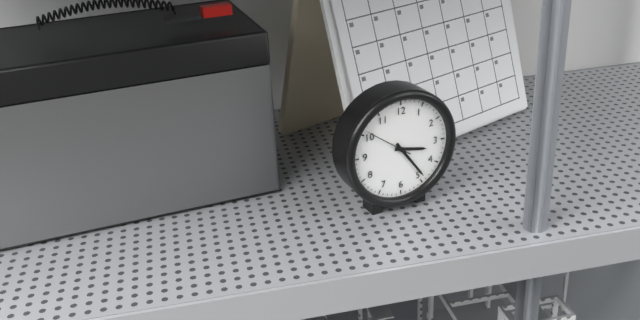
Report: 3 h 24 min 51 s
